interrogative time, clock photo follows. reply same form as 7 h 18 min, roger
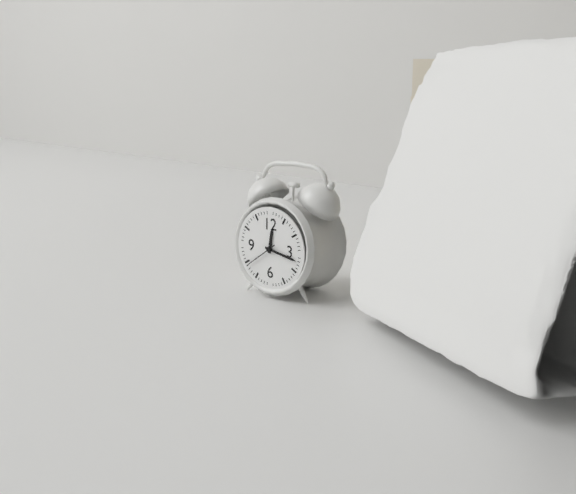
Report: 12 h 17 min
